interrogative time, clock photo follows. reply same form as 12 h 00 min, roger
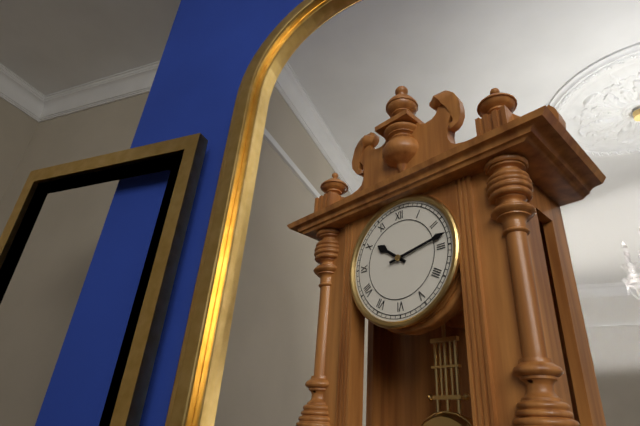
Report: 10 h 13 min
